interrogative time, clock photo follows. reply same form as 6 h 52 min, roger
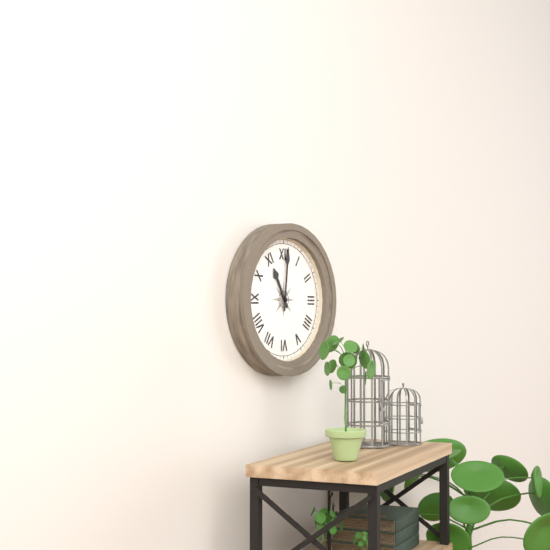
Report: 11 h 01 min
